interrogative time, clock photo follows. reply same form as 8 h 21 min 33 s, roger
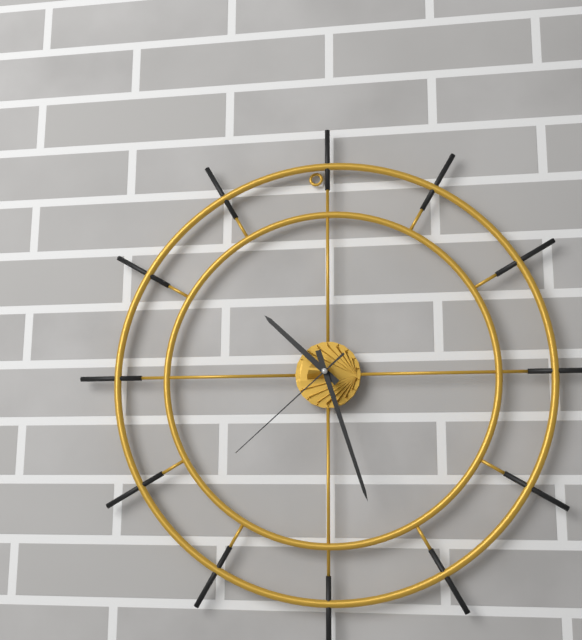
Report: 10 h 27 min 38 s
